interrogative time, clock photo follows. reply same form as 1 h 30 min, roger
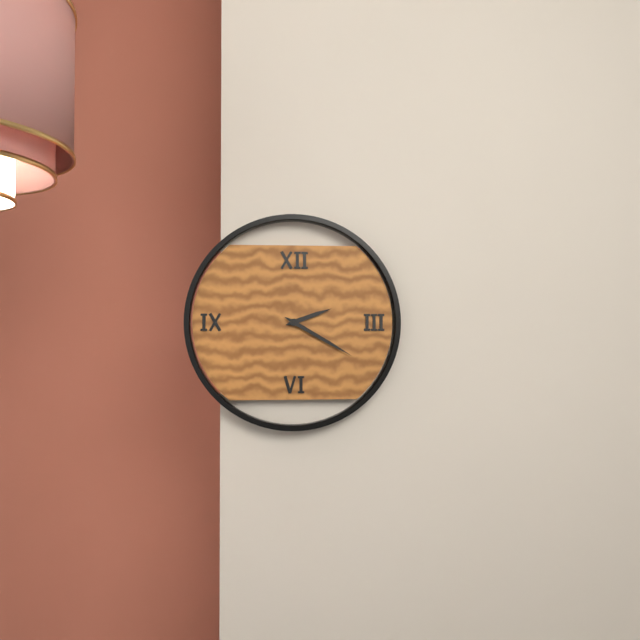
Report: 2 h 20 min
